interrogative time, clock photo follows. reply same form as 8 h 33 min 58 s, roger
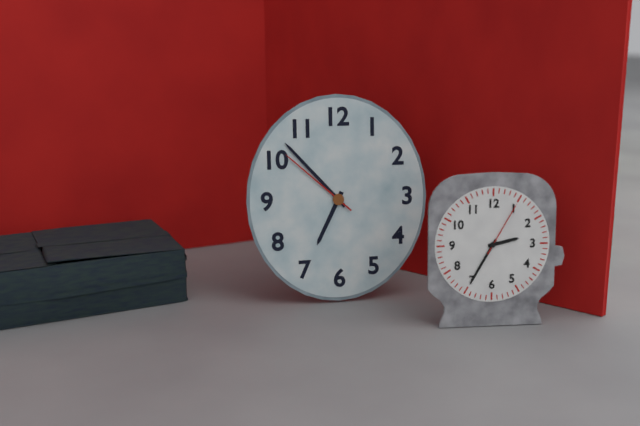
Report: 6 h 53 min 52 s
